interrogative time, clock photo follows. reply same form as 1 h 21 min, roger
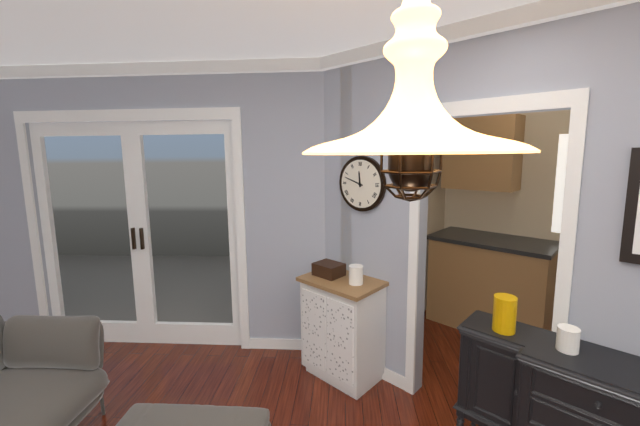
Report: 11 h 48 min
